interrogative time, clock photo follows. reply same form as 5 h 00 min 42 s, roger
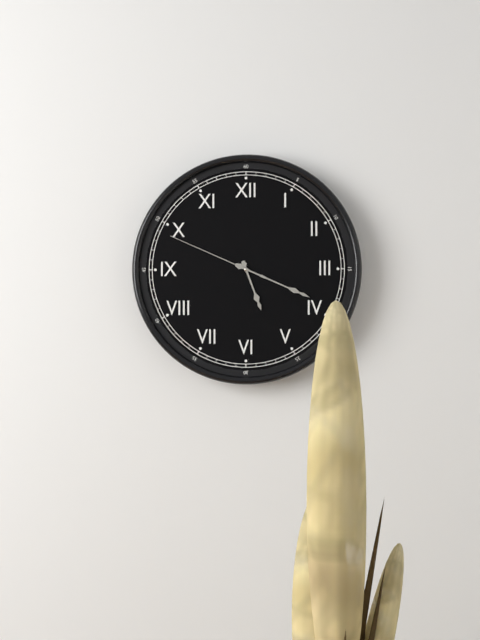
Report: 5 h 19 min 49 s
